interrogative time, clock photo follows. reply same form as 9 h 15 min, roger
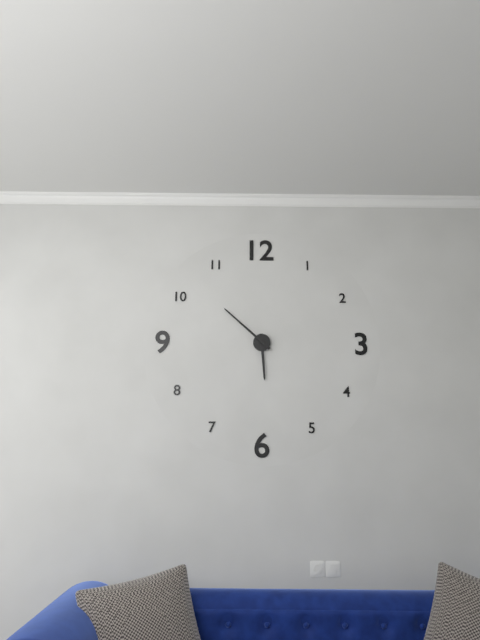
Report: 5 h 52 min
